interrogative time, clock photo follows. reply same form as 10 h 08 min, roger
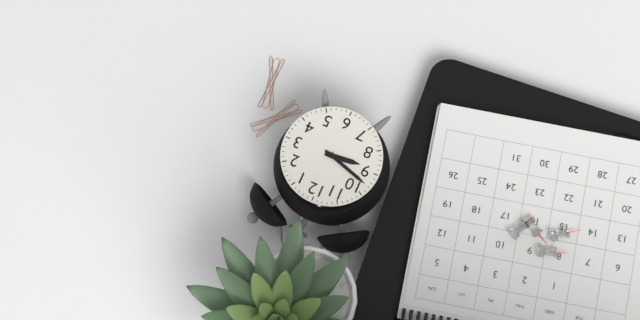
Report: 8 h 48 min
